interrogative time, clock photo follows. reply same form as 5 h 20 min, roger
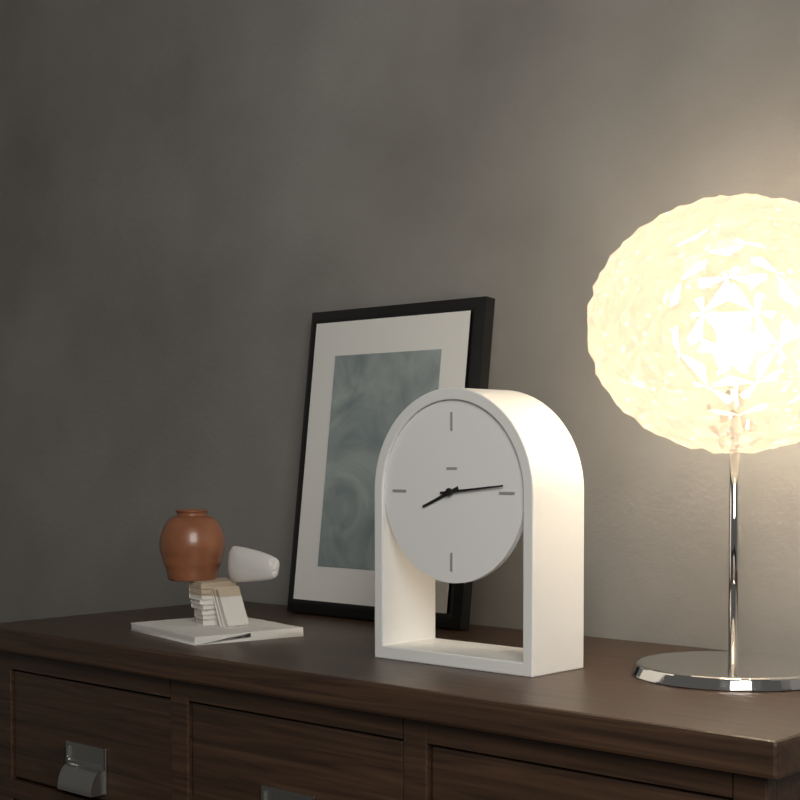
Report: 8 h 14 min
